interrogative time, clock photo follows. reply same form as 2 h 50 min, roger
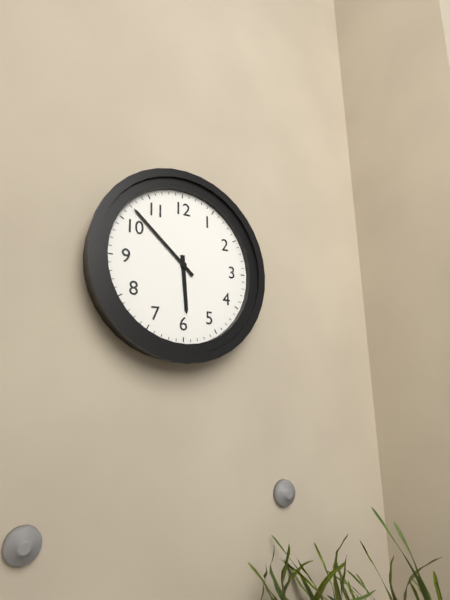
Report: 5 h 52 min
